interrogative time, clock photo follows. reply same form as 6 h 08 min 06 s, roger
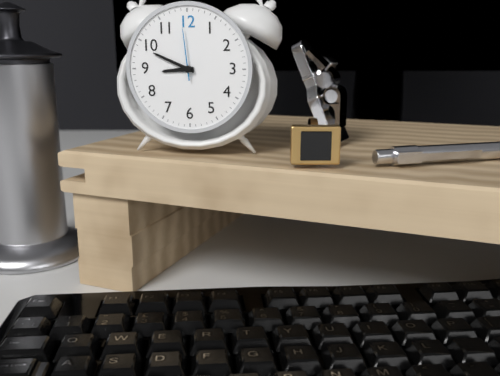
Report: 8 h 49 min 59 s
